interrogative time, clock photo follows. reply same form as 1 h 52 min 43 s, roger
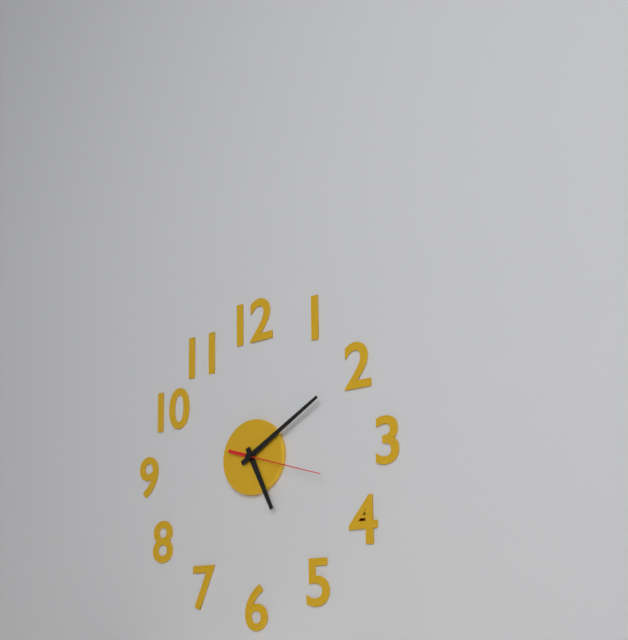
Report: 5 h 10 min 18 s
